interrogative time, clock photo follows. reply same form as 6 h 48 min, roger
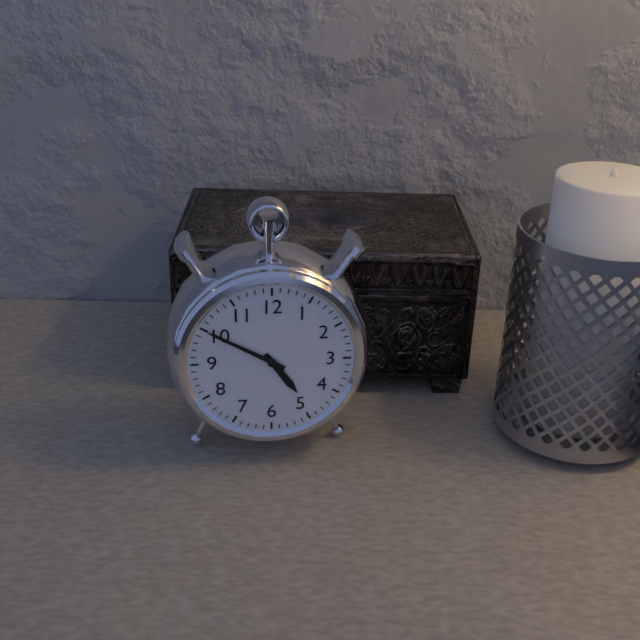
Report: 4 h 50 min
